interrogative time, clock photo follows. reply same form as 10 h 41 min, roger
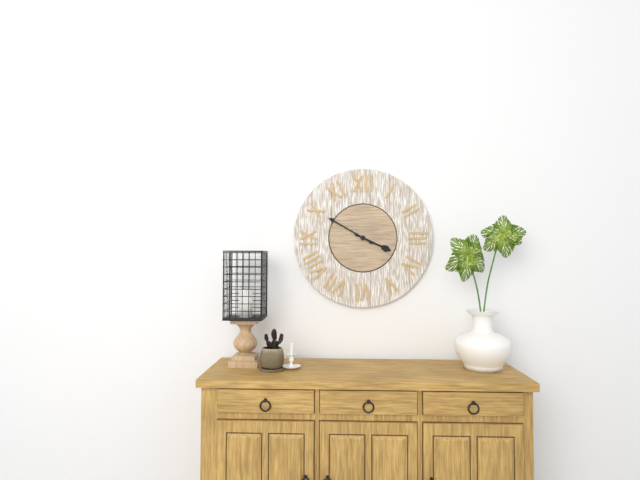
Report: 3 h 50 min
